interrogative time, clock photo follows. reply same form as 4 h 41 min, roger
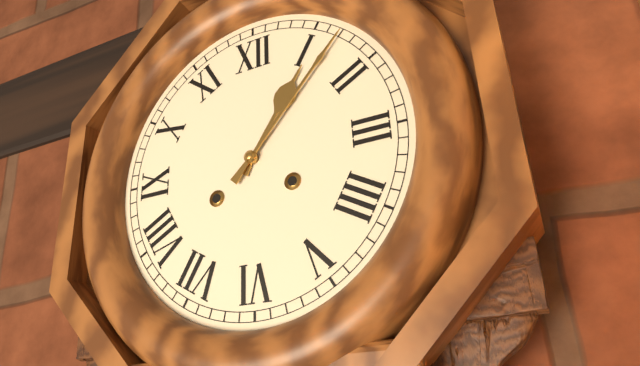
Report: 1 h 07 min
